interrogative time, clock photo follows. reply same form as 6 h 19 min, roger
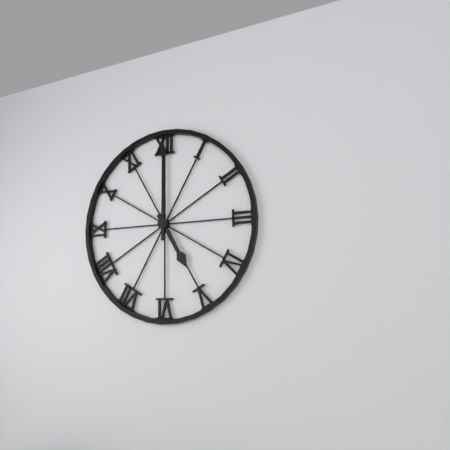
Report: 5 h 00 min
